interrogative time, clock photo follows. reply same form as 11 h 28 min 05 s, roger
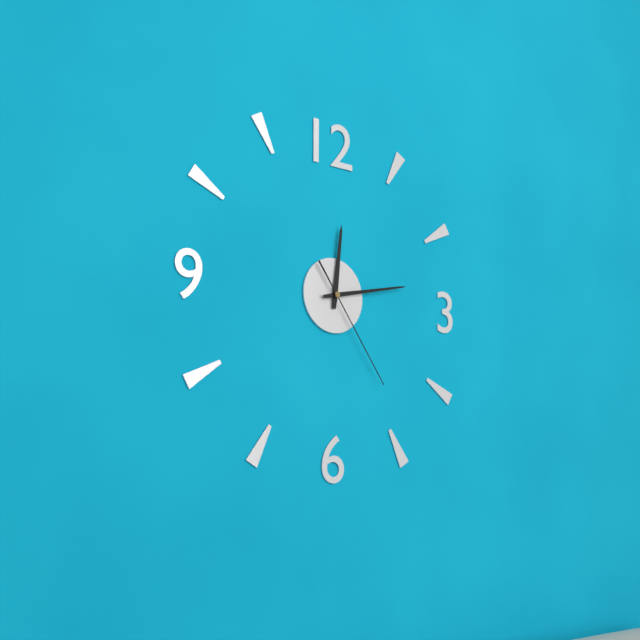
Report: 12 h 13 min 24 s
